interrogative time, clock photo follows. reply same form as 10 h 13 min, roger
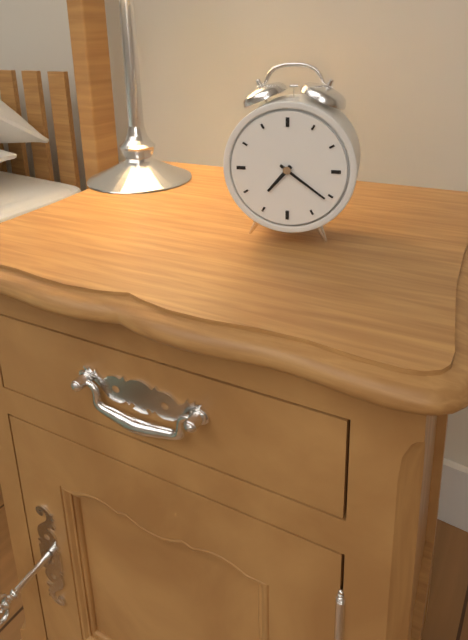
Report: 7 h 21 min
